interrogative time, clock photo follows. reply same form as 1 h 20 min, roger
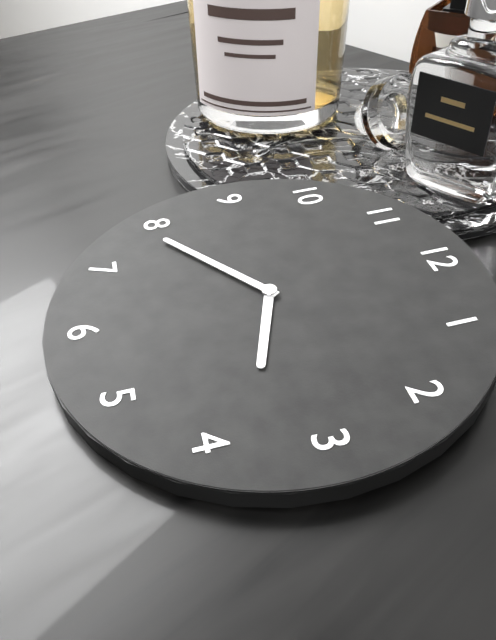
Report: 3 h 39 min
